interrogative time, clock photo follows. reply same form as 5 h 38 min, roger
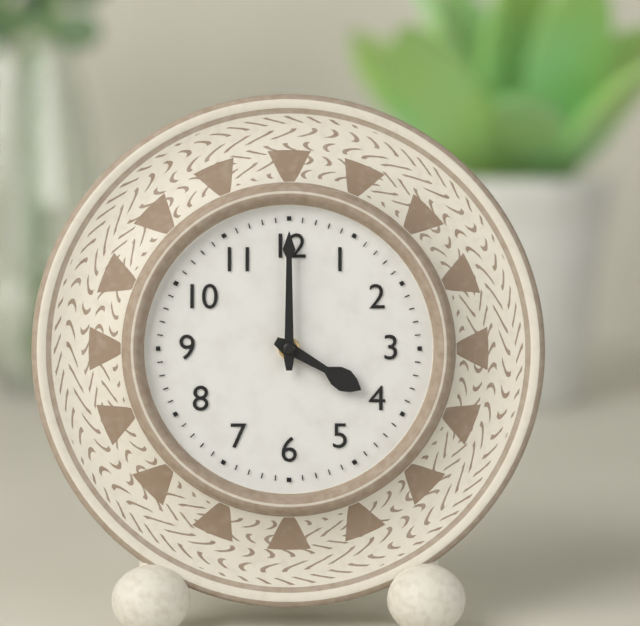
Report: 4 h 00 min
